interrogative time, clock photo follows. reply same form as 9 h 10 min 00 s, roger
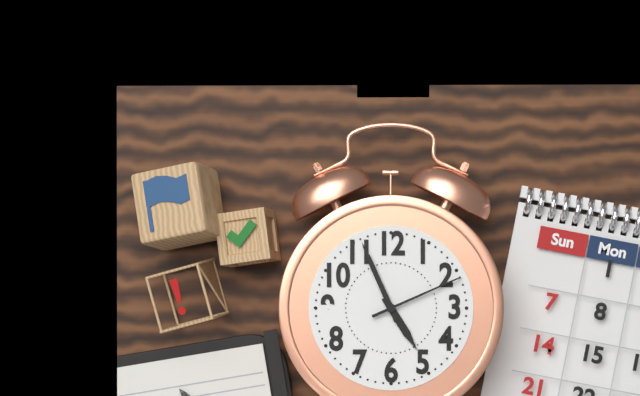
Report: 4 h 56 min 11 s
